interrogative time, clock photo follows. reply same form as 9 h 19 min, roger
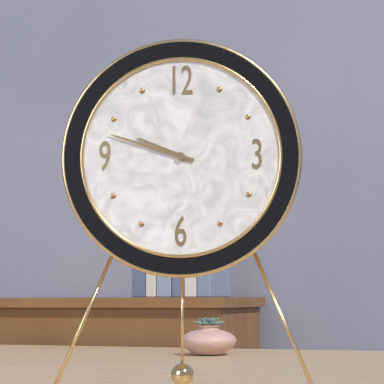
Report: 9 h 48 min
